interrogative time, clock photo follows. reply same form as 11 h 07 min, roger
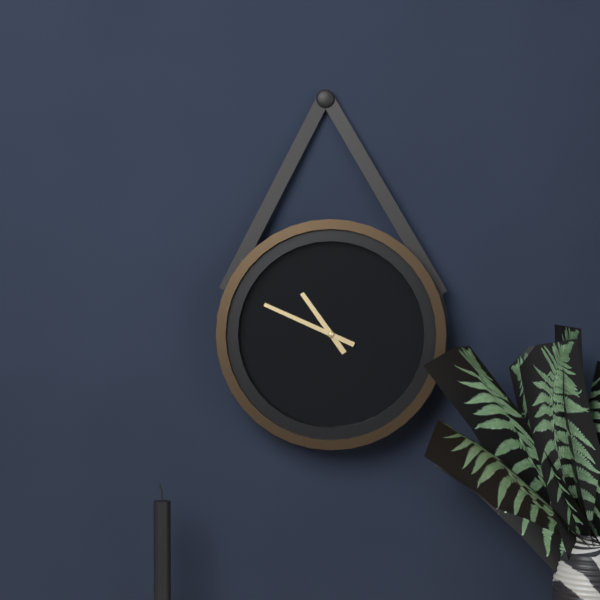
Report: 10 h 49 min
